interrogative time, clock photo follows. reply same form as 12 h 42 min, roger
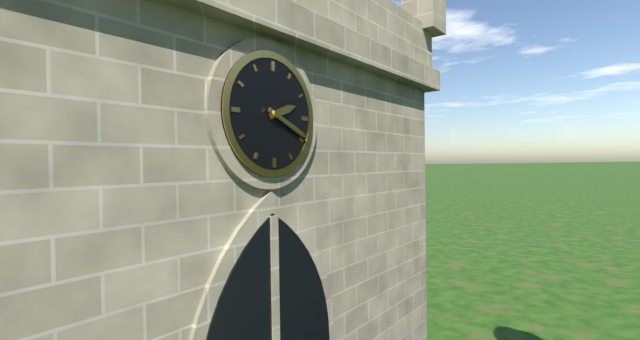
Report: 2 h 19 min
